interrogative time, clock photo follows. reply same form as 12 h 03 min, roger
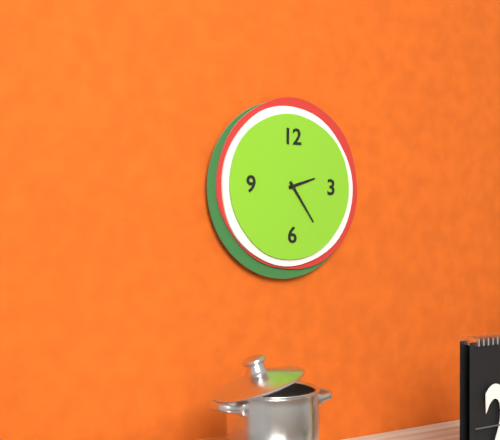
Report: 2 h 24 min
